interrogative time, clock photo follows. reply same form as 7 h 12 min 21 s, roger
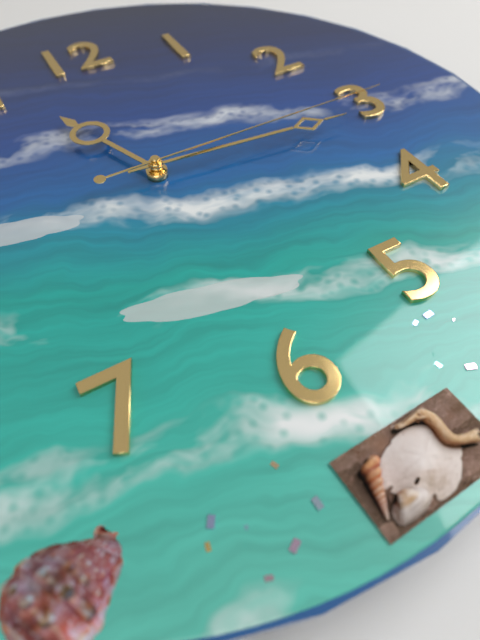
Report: 11 h 16 min 15 s
